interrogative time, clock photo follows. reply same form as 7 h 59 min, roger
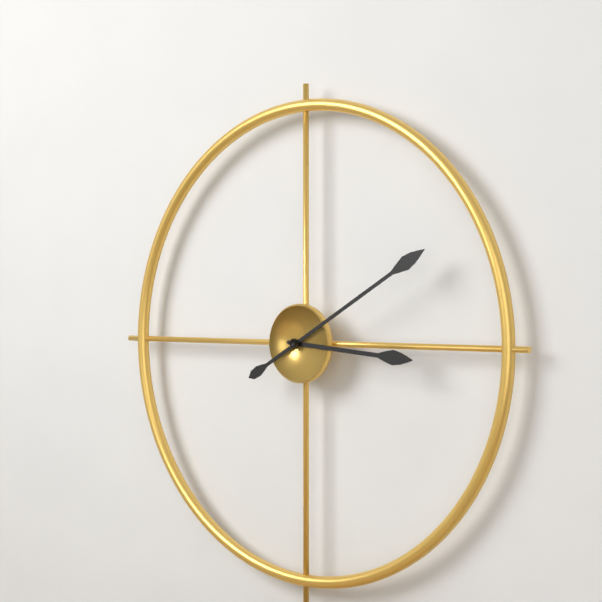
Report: 3 h 10 min
